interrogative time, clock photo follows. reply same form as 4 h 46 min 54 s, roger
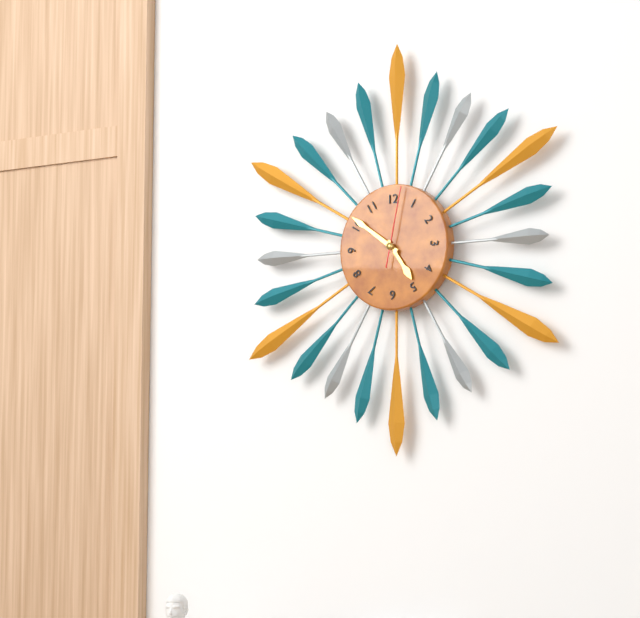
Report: 4 h 51 min 02 s
